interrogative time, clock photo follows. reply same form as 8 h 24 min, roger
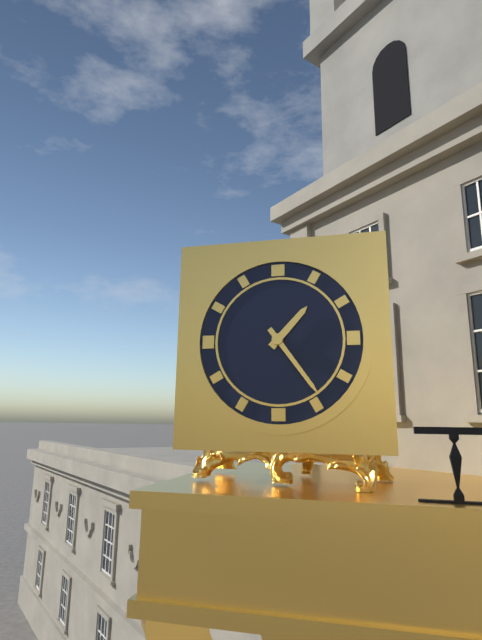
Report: 1 h 24 min
